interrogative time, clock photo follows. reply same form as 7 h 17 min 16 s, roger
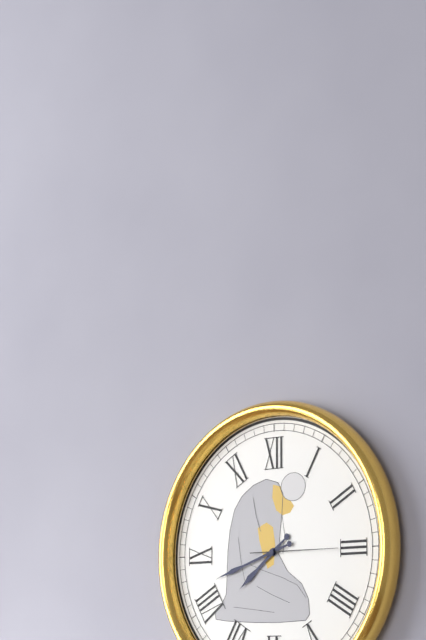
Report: 7 h 42 min 15 s
